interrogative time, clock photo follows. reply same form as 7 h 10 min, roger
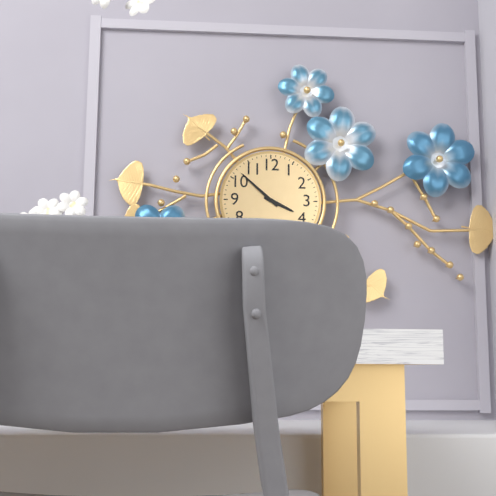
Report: 3 h 52 min
